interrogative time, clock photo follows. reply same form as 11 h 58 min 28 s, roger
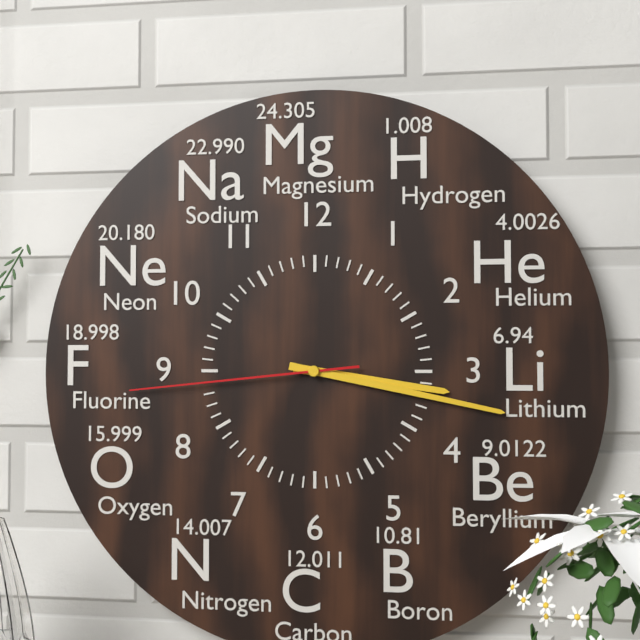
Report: 3 h 17 min 44 s
